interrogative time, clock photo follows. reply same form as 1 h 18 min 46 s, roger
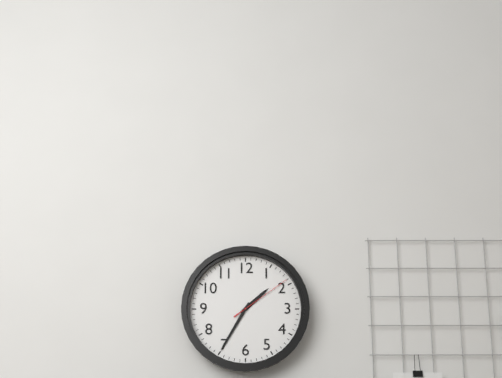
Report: 1 h 35 min 09 s
